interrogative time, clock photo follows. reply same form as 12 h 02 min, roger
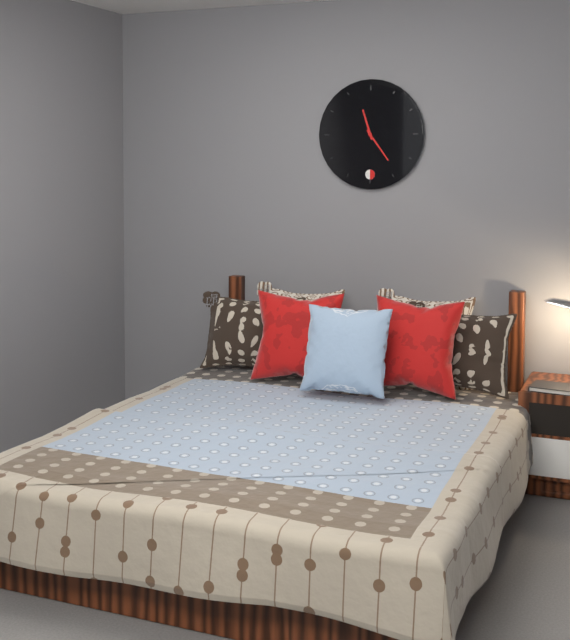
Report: 11 h 24 min
